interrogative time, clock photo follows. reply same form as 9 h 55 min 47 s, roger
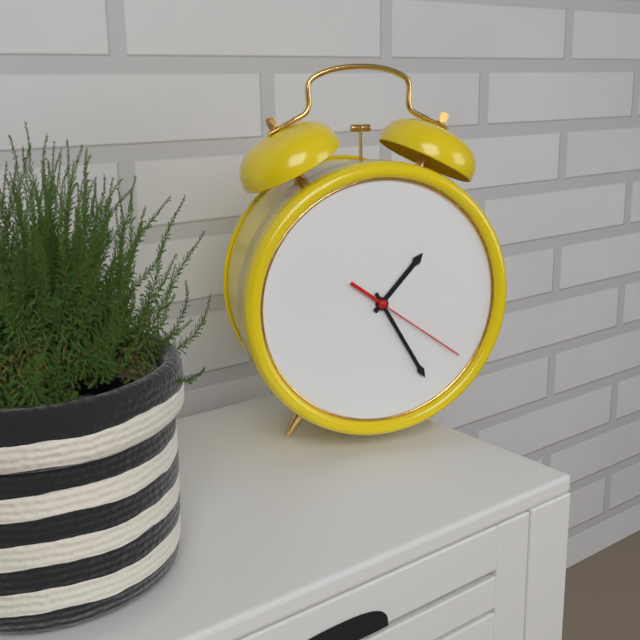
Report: 1 h 25 min 21 s
